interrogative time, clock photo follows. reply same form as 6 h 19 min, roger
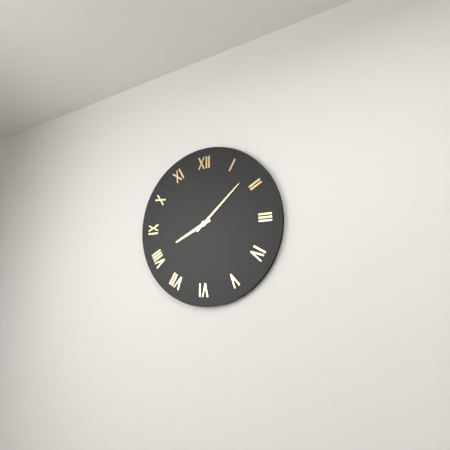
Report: 8 h 08 min
